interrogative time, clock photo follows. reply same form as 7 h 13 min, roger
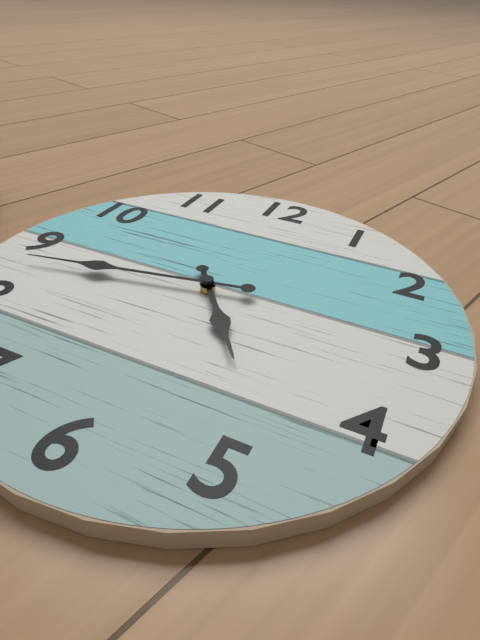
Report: 4 h 43 min
